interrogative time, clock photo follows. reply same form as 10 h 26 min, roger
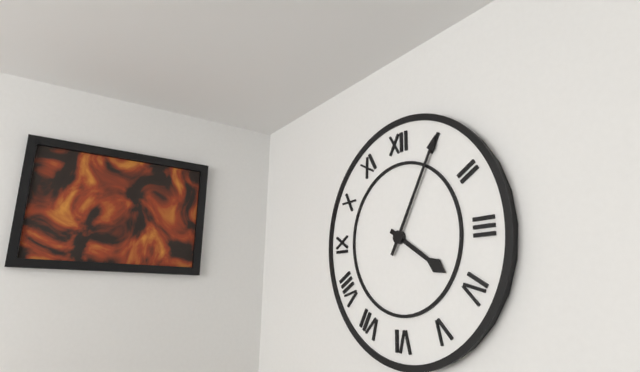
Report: 4 h 05 min
